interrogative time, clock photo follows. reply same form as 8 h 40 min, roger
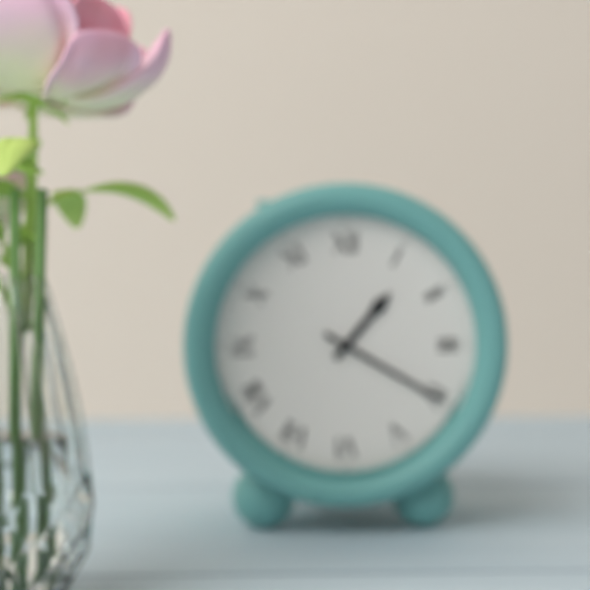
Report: 1 h 20 min
